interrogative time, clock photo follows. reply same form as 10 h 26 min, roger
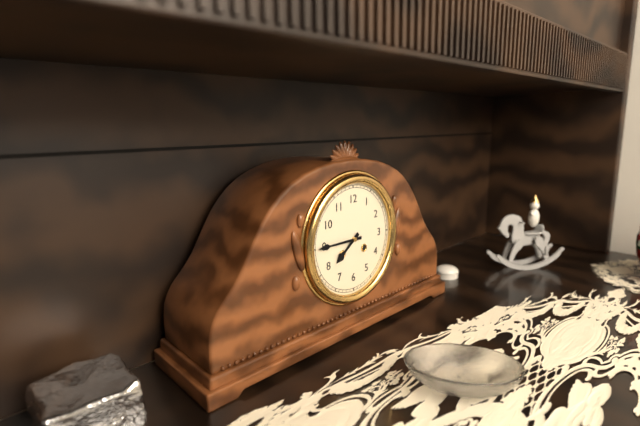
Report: 7 h 45 min
